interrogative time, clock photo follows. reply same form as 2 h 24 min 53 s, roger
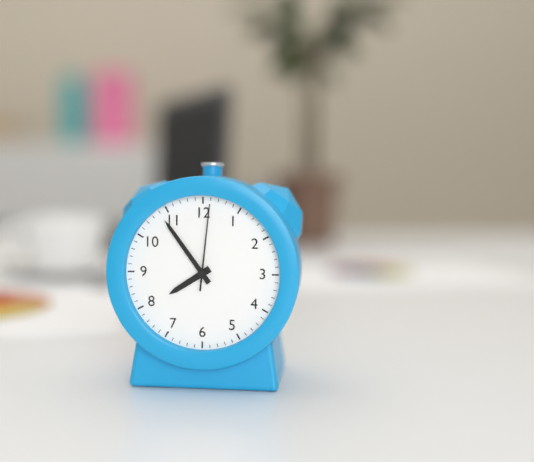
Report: 7 h 54 min 01 s
